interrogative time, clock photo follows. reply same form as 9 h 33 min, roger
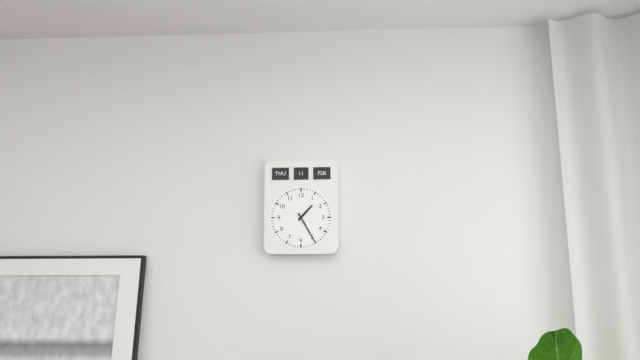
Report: 1 h 25 min
